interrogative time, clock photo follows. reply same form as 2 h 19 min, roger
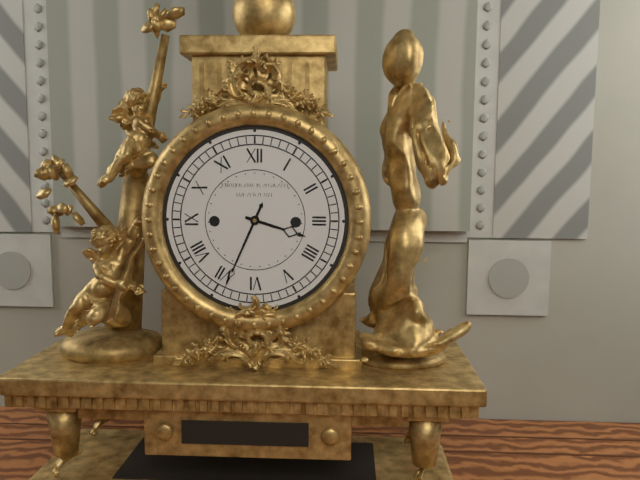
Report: 3 h 34 min
